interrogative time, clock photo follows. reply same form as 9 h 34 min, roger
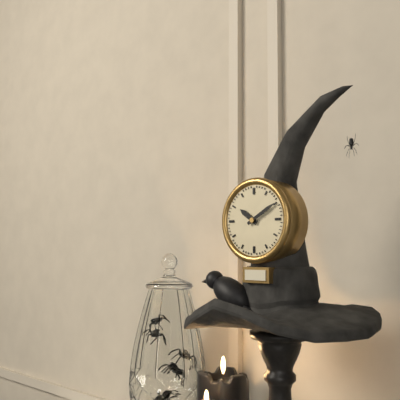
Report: 10 h 10 min
